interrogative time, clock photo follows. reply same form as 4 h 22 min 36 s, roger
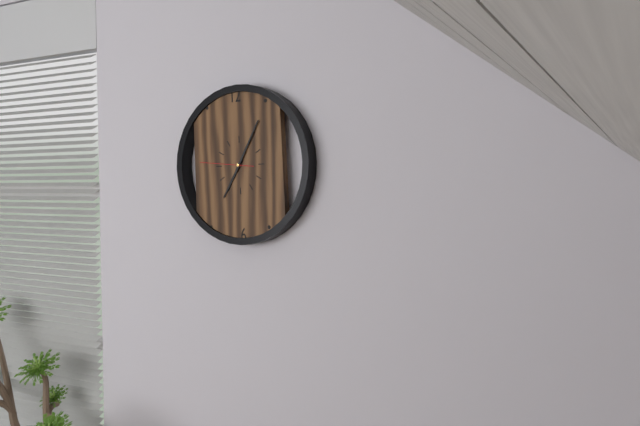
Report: 7 h 05 min 46 s
